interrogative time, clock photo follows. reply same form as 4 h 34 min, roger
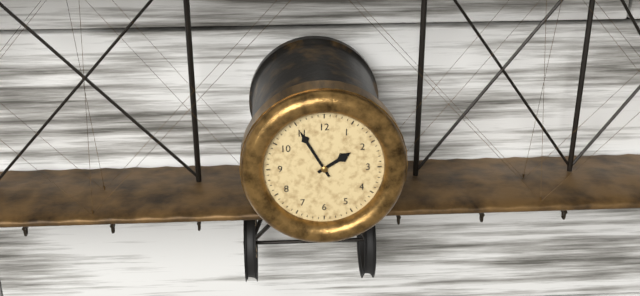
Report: 1 h 55 min
